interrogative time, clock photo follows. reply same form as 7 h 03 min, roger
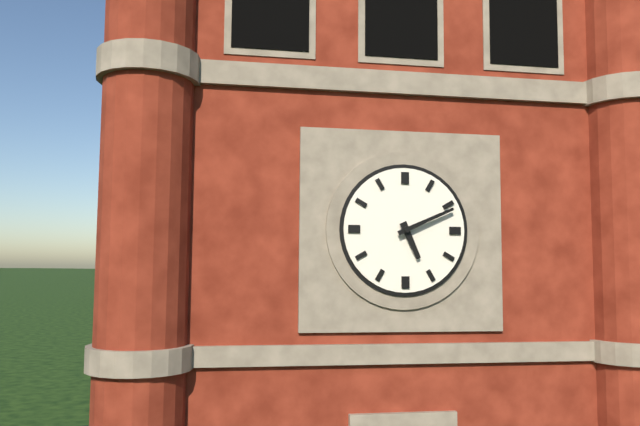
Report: 5 h 11 min
